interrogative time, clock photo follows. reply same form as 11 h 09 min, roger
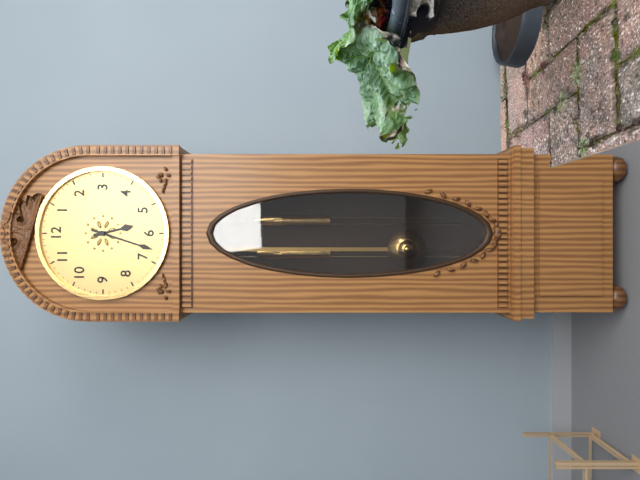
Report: 5 h 33 min
